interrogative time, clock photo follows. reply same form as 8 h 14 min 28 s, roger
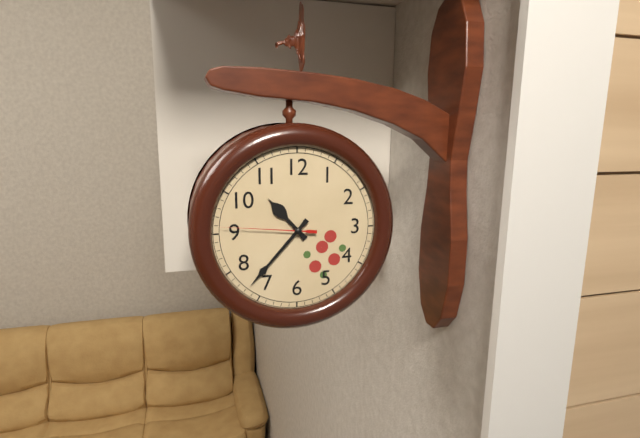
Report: 10 h 37 min 46 s
